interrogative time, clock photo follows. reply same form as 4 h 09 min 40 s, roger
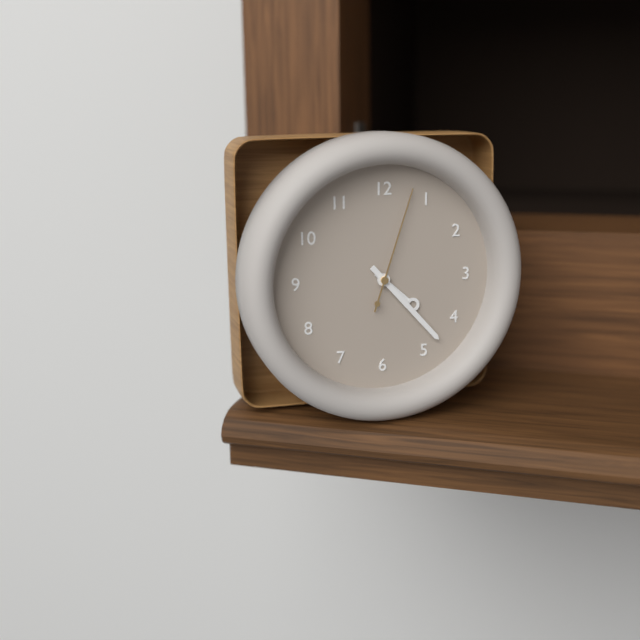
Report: 4 h 23 min 03 s
